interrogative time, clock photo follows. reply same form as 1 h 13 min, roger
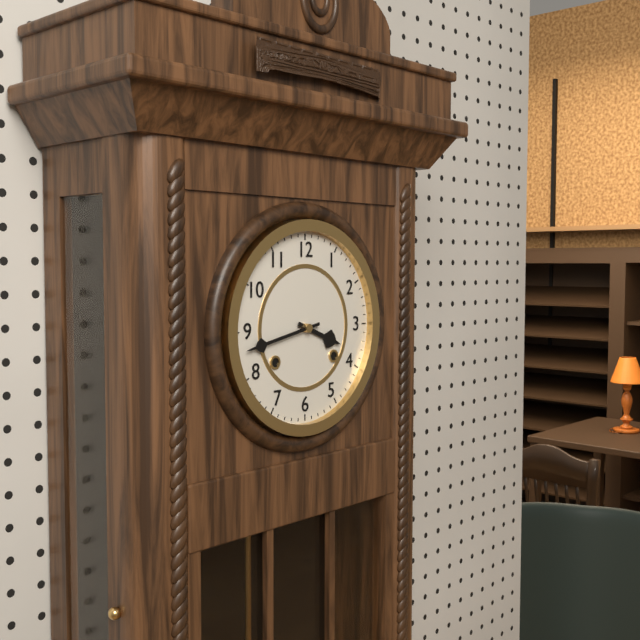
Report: 3 h 43 min
